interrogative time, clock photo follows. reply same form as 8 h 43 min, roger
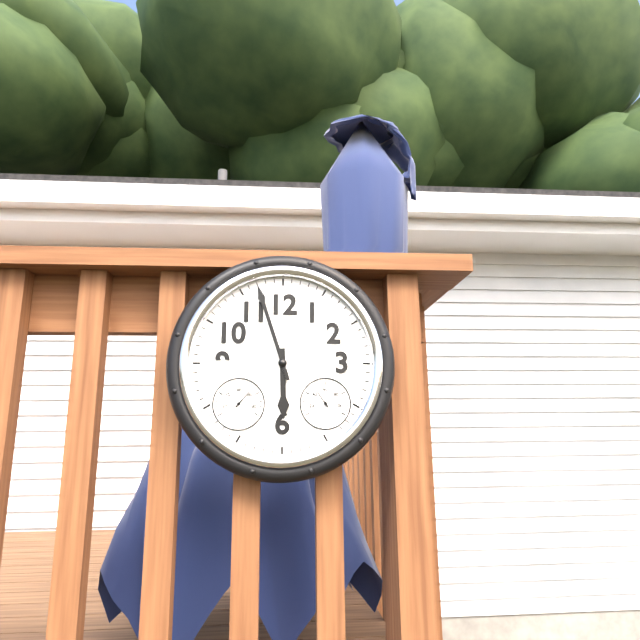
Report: 5 h 57 min
